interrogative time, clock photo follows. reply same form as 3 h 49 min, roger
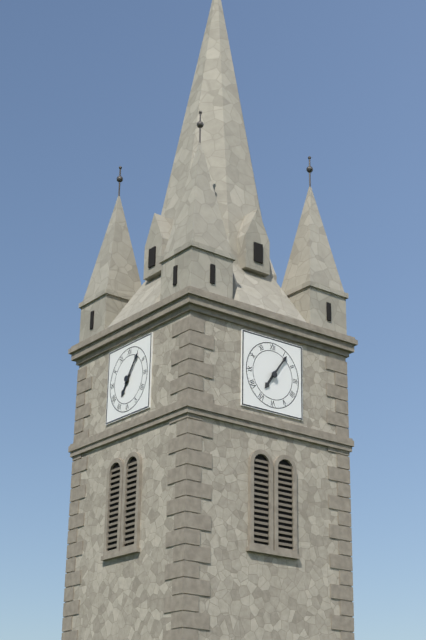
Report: 7 h 06 min
